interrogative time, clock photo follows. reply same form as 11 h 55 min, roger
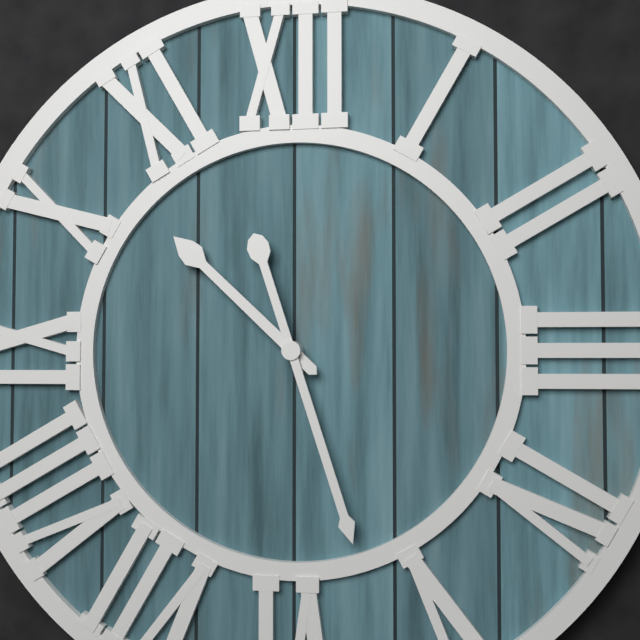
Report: 10 h 27 min
